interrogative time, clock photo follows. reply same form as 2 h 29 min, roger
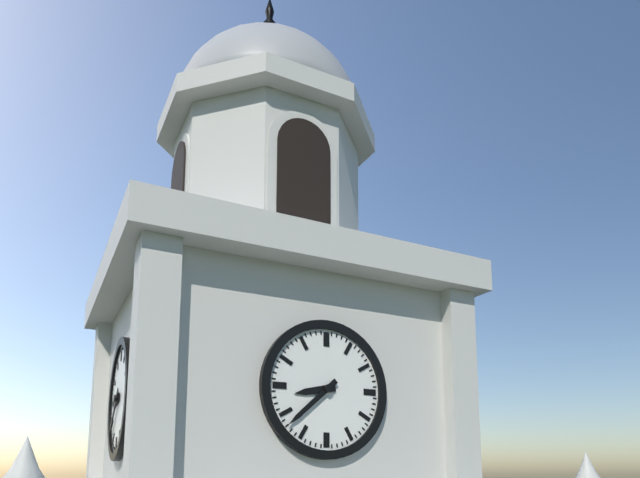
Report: 8 h 38 min
